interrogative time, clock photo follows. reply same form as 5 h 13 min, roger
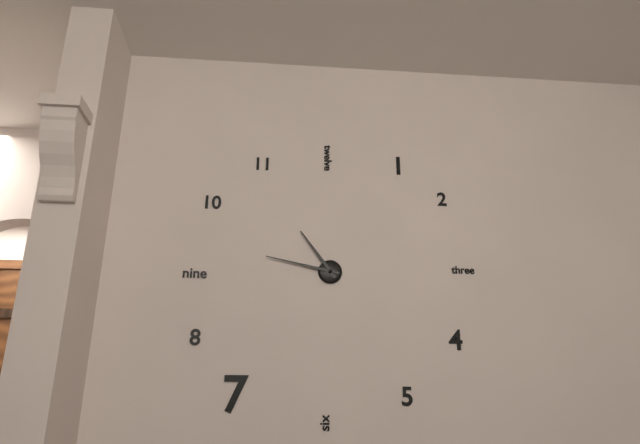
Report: 10 h 47 min
